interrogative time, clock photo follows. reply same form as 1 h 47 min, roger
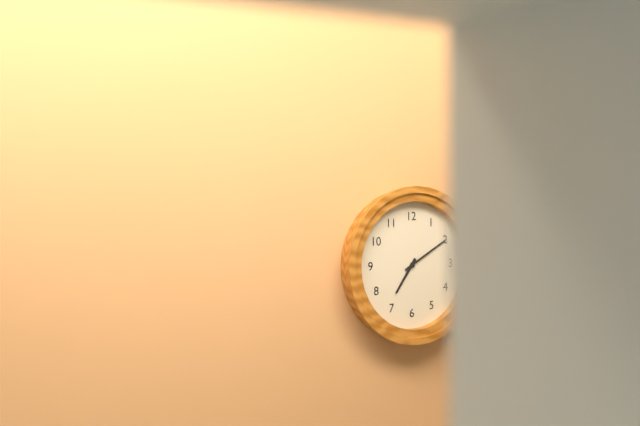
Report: 7 h 10 min
